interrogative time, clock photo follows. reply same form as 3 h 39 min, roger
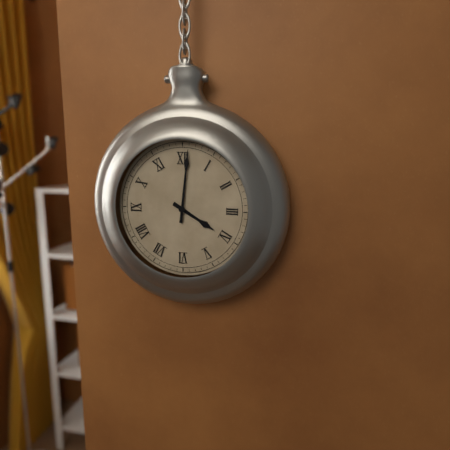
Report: 4 h 01 min
